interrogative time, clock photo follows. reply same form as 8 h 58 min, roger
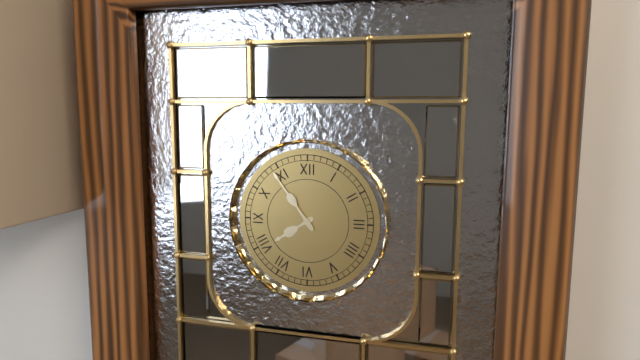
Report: 7 h 54 min
